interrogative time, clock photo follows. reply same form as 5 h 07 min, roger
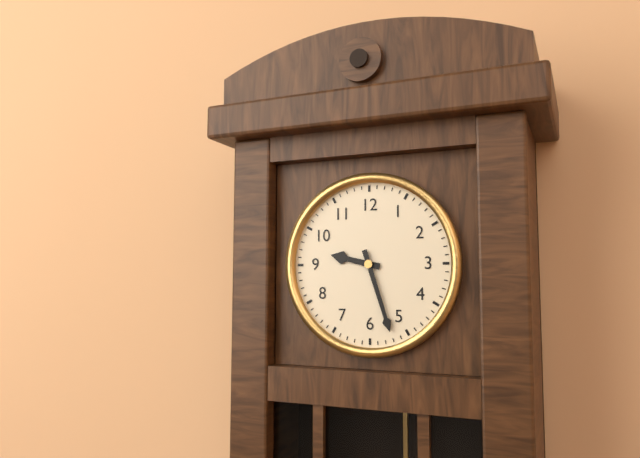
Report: 9 h 27 min
